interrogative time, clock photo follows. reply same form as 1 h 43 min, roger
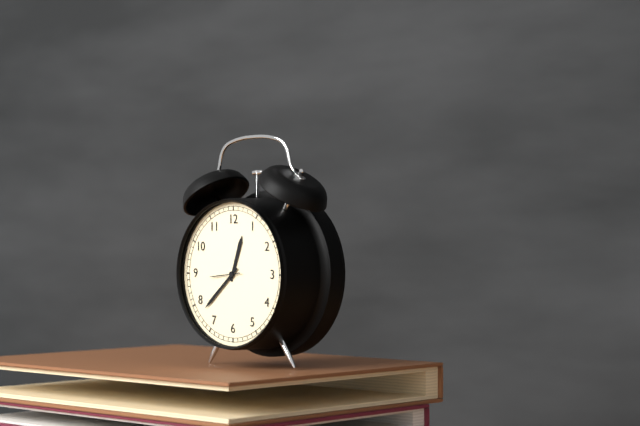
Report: 12 h 38 min
